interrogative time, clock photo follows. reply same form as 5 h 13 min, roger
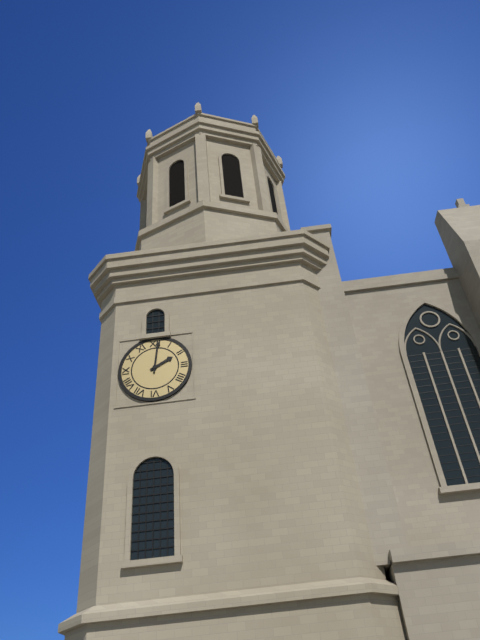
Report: 2 h 01 min
